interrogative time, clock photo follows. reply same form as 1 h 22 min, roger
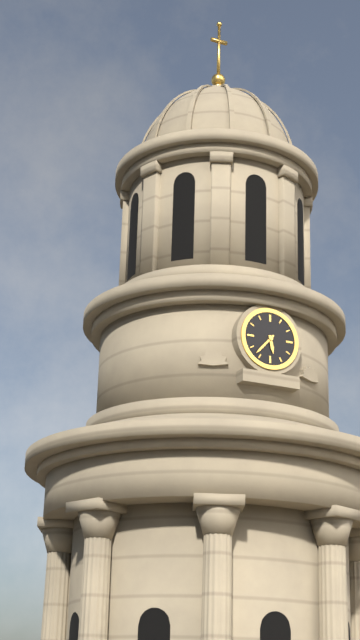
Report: 5 h 37 min
